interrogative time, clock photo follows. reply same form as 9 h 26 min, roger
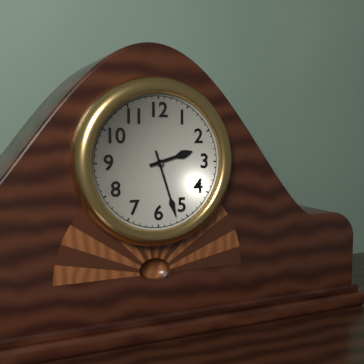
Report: 2 h 27 min
